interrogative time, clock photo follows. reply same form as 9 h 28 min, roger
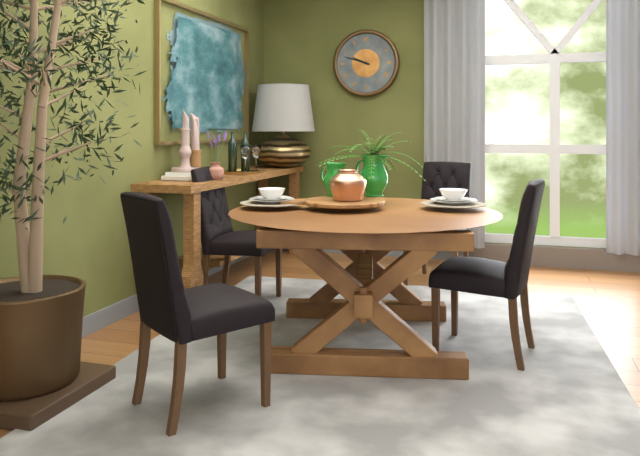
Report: 9 h 48 min
